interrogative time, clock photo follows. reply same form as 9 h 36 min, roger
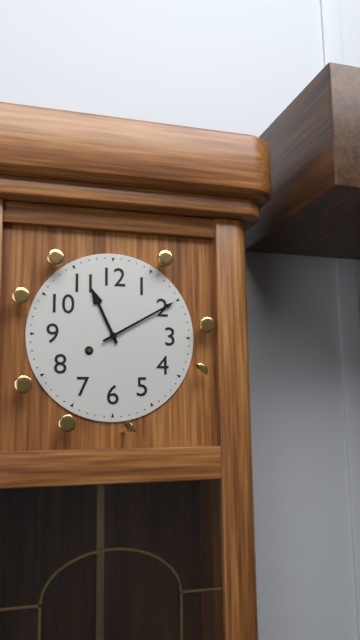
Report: 11 h 10 min
